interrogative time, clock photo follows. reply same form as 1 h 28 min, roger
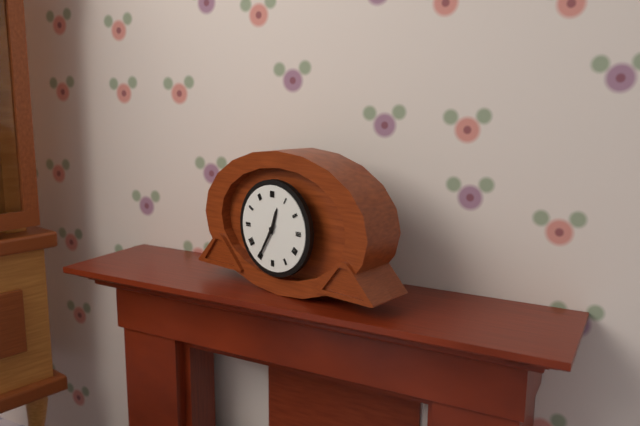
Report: 12 h 35 min
